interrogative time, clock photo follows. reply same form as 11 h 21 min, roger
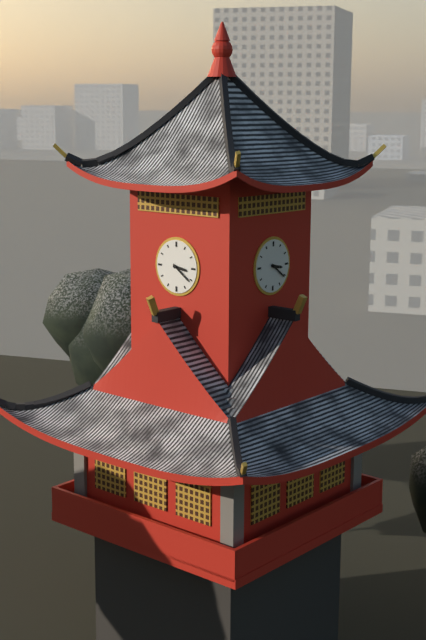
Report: 3 h 21 min
